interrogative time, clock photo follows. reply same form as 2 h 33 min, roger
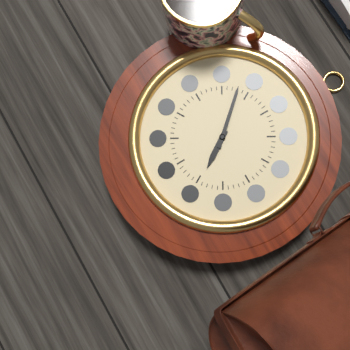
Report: 4 h 53 min
